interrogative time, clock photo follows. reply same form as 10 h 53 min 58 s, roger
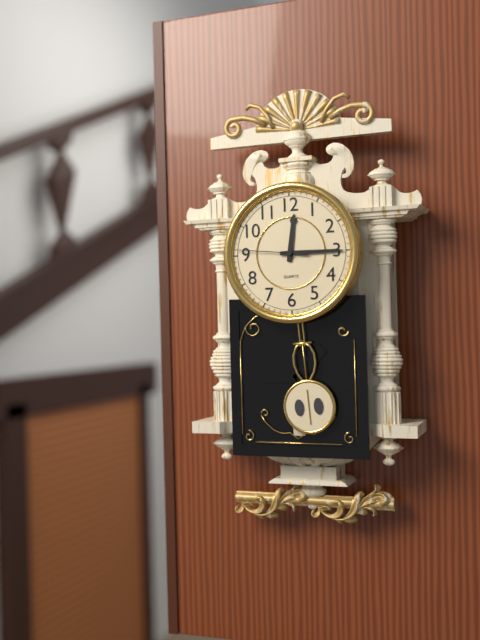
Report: 12 h 15 min 46 s
